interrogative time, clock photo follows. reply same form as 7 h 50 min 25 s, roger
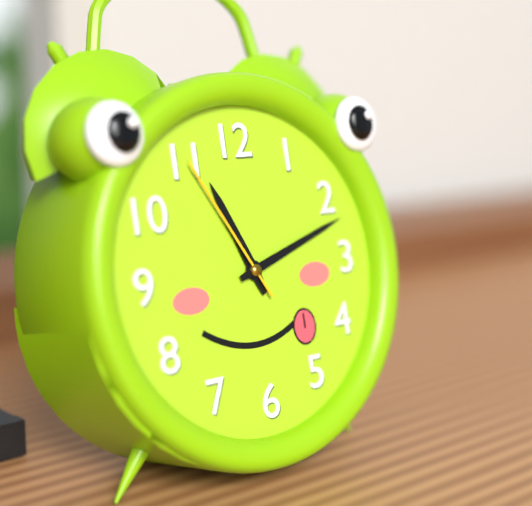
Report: 11 h 12 min 55 s
